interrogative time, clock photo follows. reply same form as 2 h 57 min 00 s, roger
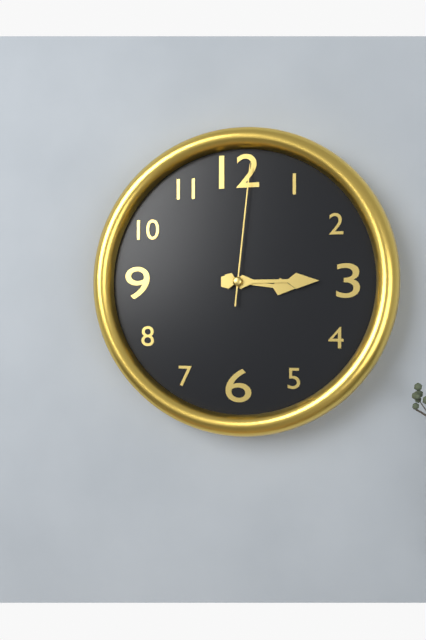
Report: 3 h 15 min 01 s
